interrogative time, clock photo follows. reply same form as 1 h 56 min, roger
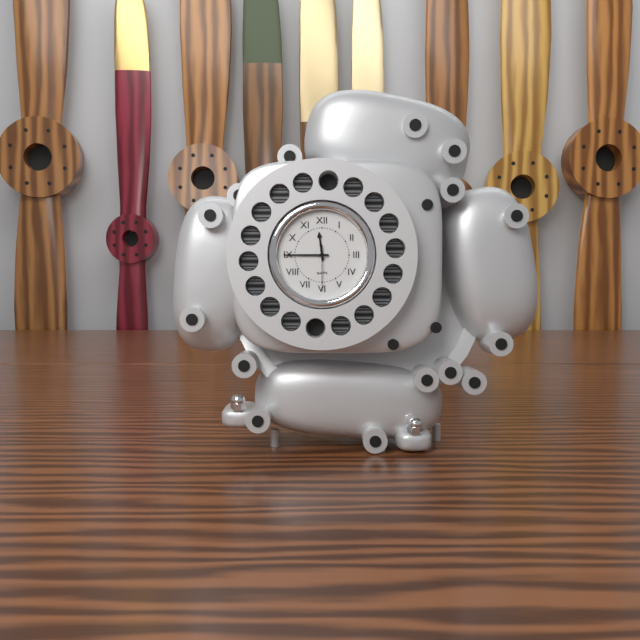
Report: 11 h 45 min
